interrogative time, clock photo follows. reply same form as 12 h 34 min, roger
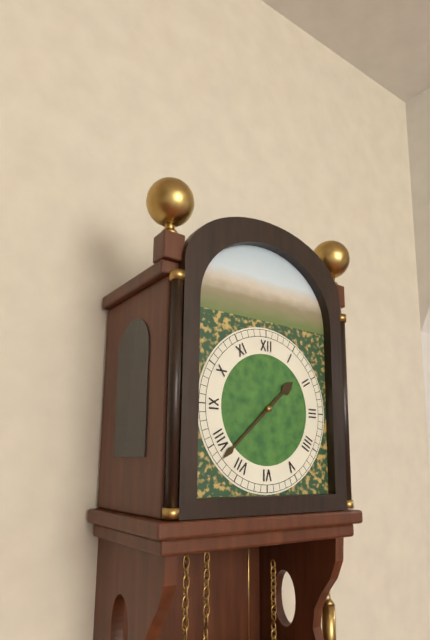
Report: 1 h 38 min
